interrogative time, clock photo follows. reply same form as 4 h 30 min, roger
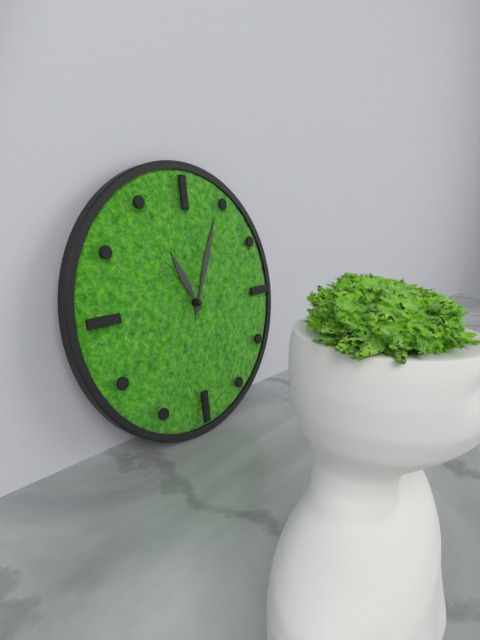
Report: 11 h 04 min
